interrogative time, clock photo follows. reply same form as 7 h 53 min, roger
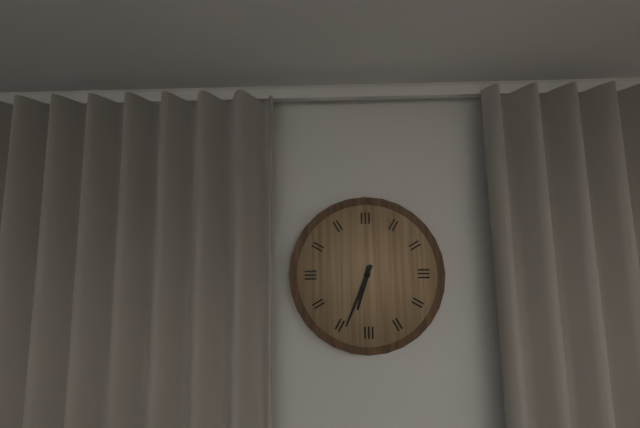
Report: 6 h 34 min
